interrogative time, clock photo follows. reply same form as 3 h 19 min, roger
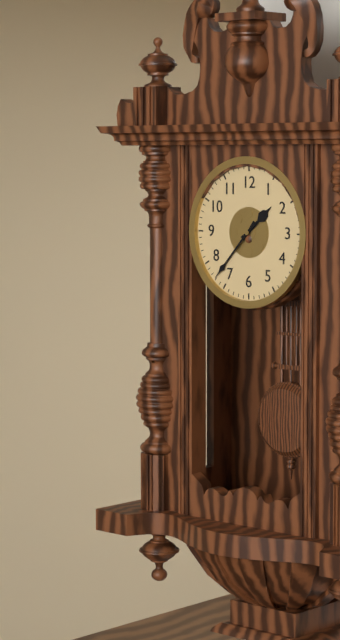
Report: 1 h 37 min
